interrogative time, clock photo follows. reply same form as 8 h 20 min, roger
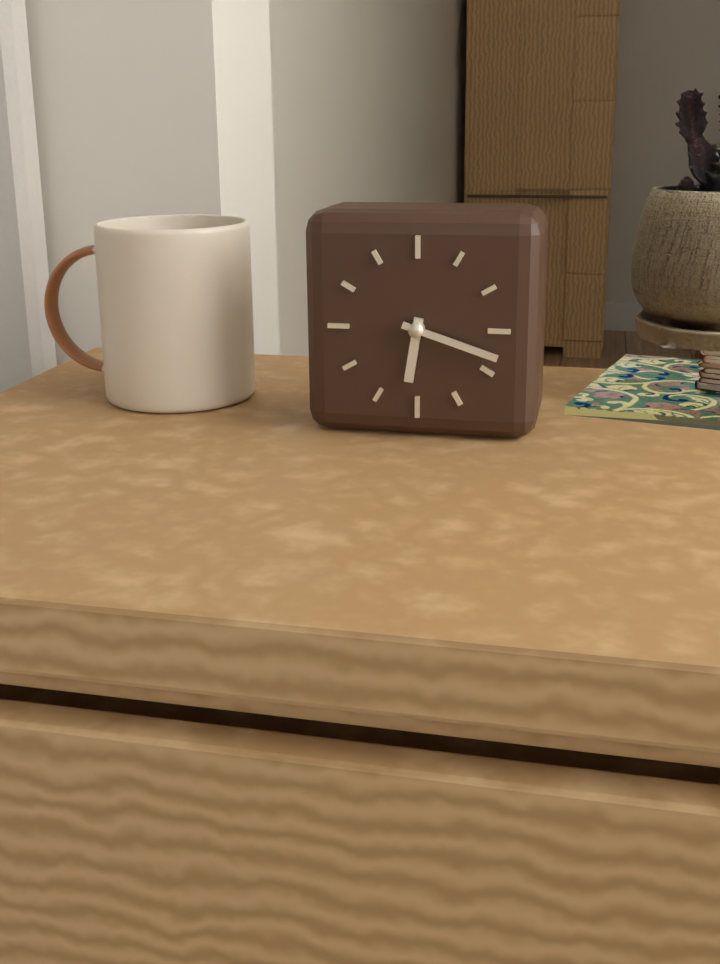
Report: 6 h 18 min
